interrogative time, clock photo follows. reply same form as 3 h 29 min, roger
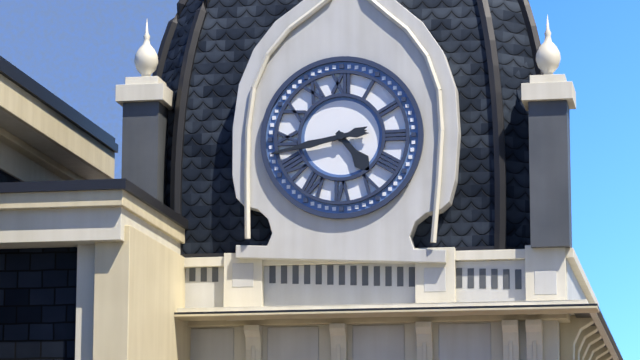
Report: 4 h 43 min
